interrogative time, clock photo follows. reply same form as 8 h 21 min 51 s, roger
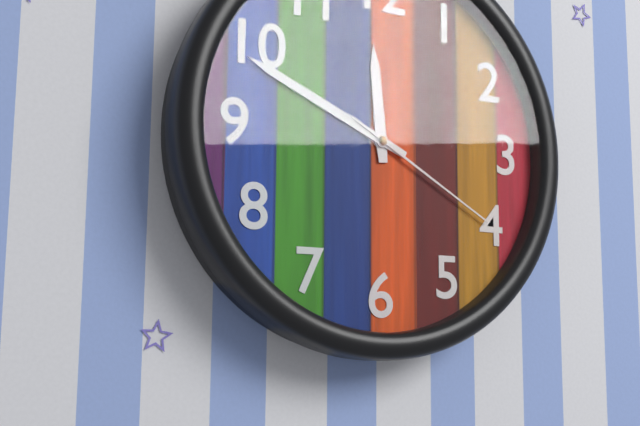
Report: 11 h 49 min 20 s
